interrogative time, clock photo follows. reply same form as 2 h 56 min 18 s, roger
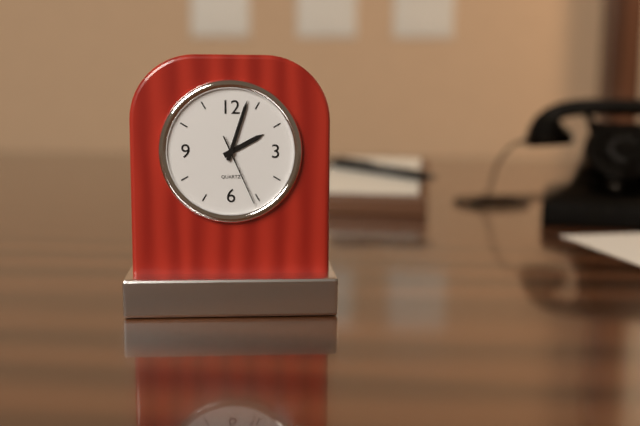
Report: 2 h 03 min 26 s
